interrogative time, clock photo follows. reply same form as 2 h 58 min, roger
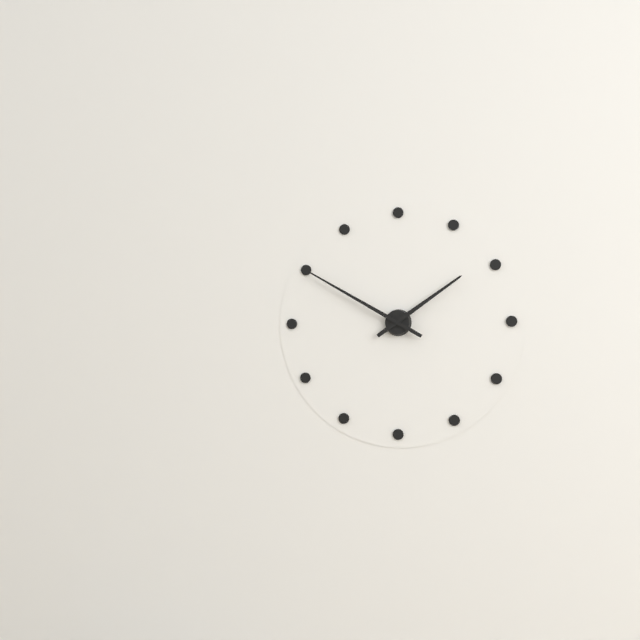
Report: 1 h 50 min
